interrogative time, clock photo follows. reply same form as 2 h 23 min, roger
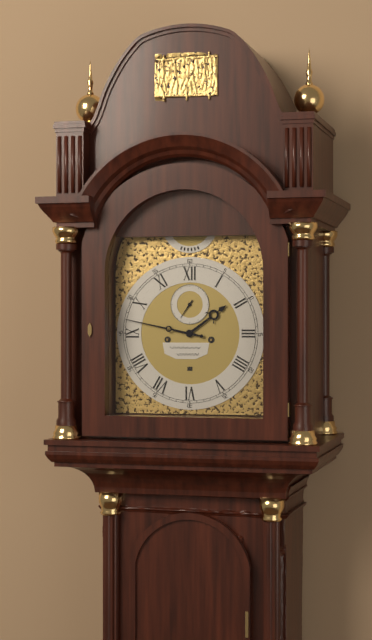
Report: 1 h 47 min
